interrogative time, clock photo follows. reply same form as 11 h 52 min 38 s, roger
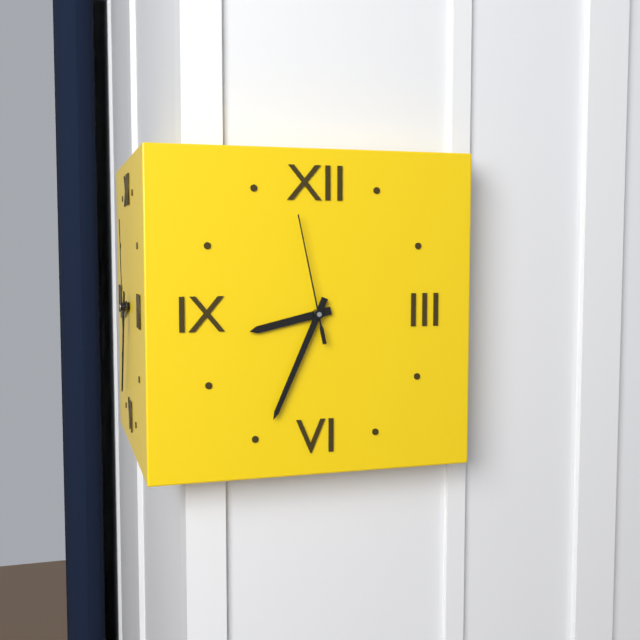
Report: 8 h 34 min 58 s
